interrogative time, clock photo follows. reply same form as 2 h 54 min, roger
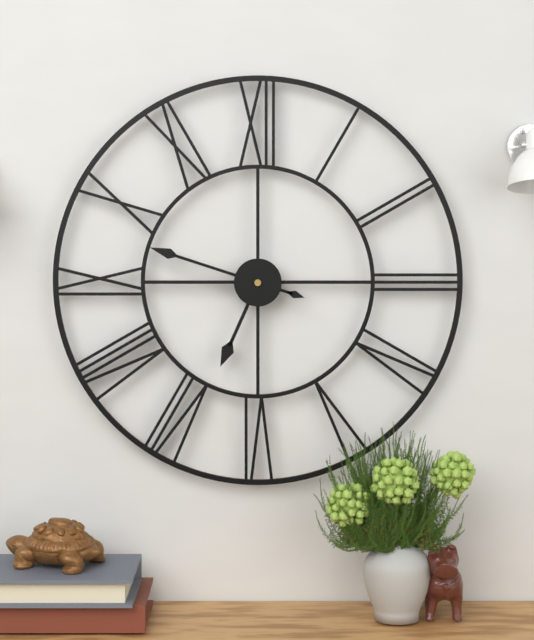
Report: 6 h 48 min
